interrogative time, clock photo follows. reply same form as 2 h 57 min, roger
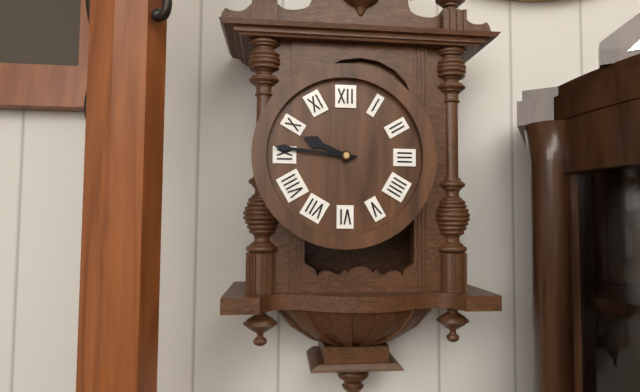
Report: 9 h 46 min
